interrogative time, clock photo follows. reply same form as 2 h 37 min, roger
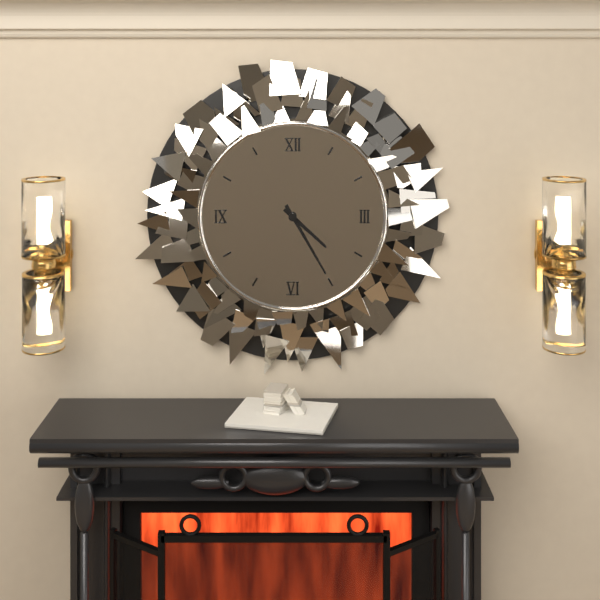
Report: 4 h 25 min
